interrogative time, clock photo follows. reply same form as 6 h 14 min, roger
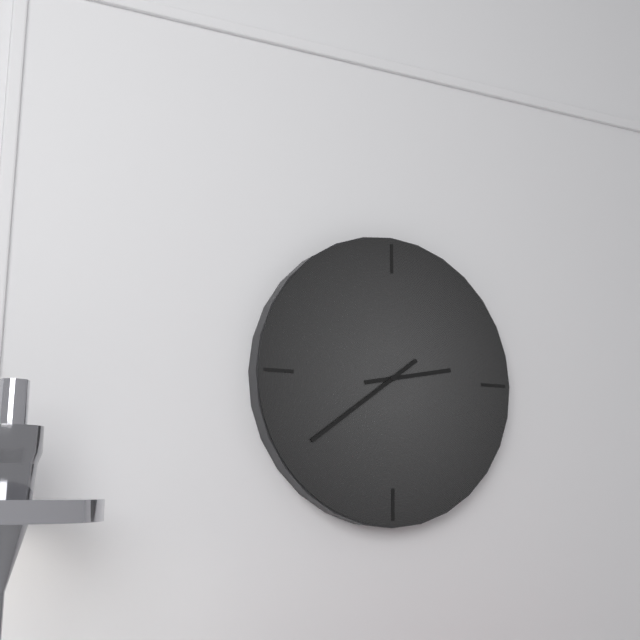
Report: 2 h 39 min
